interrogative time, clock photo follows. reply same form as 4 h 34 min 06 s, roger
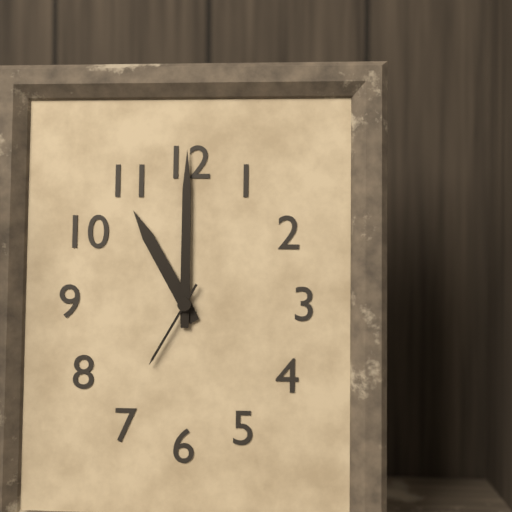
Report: 11 h 00 min 35 s
